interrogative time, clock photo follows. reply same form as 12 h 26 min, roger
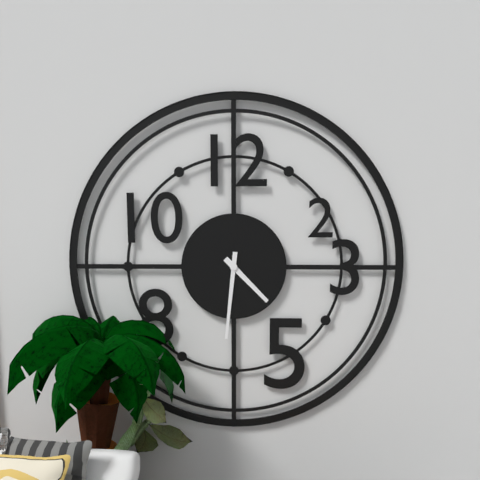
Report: 4 h 31 min
